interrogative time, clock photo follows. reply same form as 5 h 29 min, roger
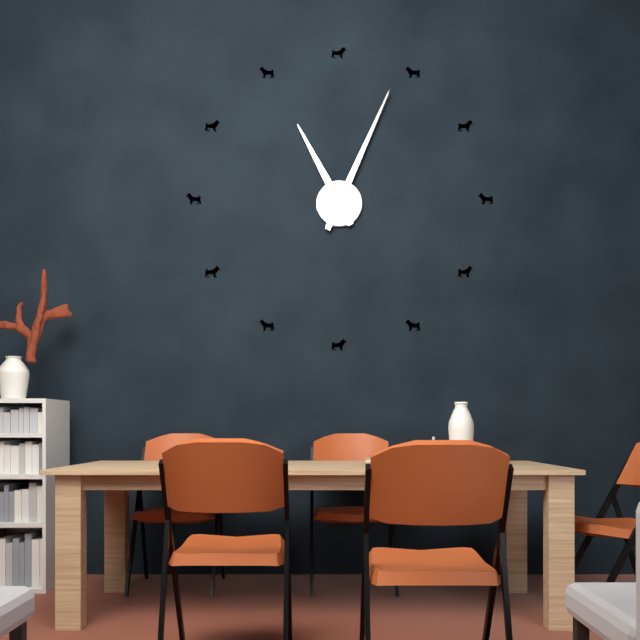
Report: 11 h 04 min
